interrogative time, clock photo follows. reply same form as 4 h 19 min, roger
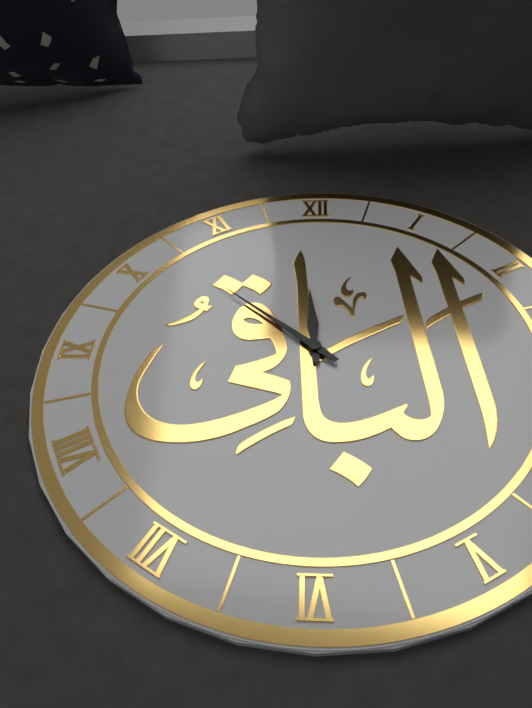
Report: 11 h 52 min
